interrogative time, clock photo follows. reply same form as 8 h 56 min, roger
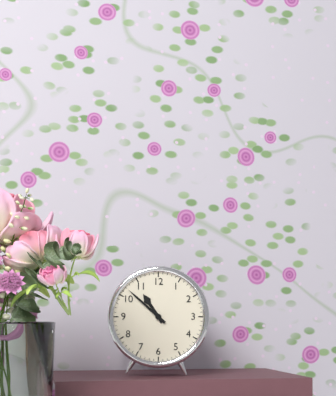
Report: 10 h 52 min
